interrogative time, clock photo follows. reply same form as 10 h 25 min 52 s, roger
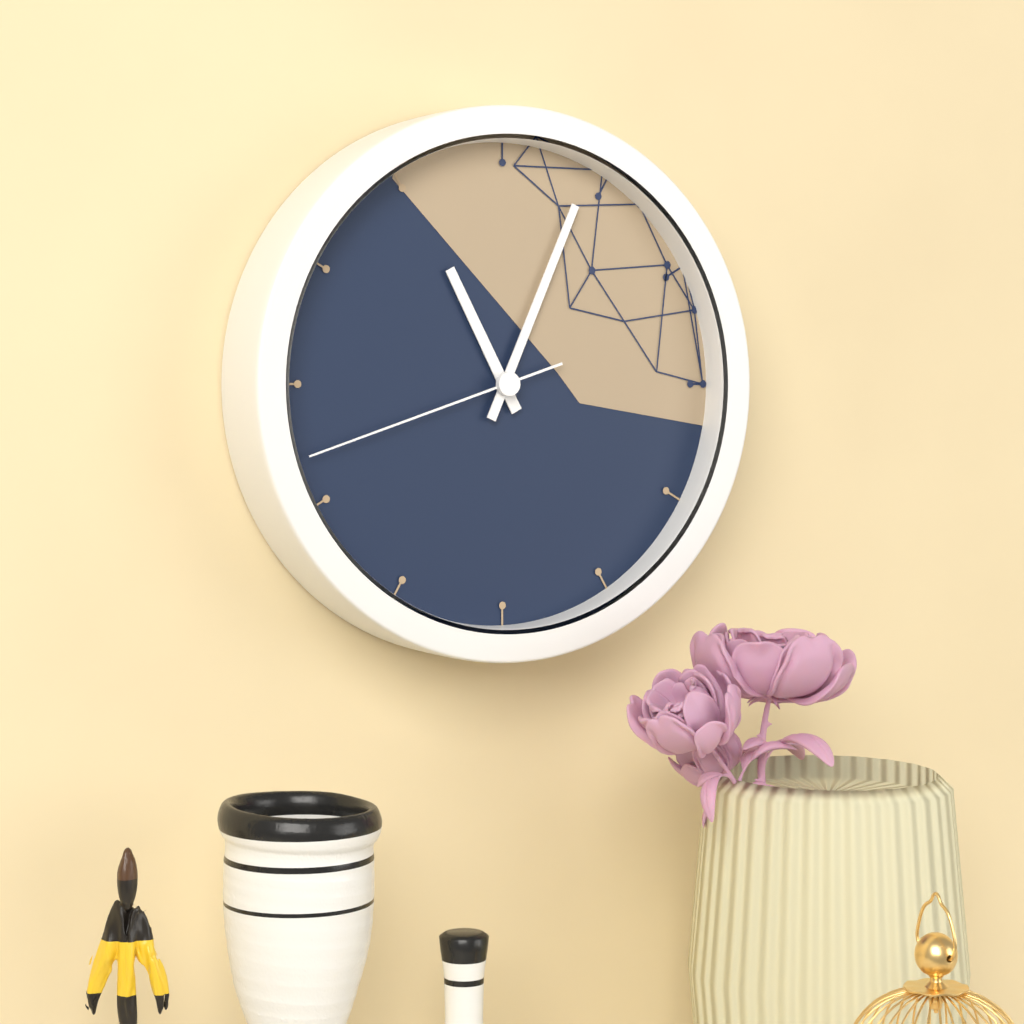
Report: 11 h 04 min 42 s
